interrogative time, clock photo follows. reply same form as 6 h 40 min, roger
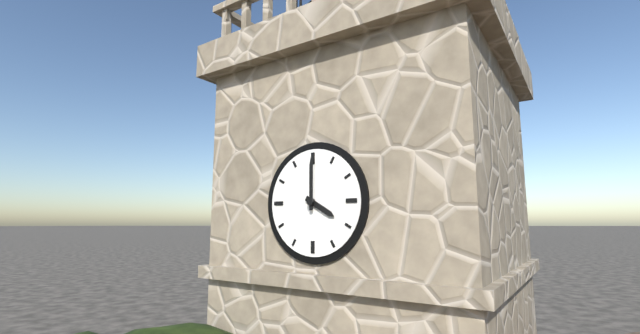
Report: 4 h 00 min
